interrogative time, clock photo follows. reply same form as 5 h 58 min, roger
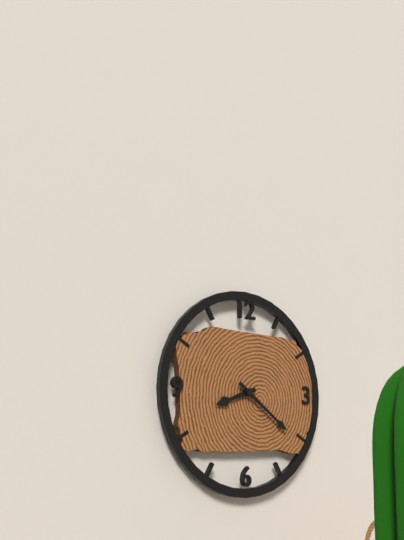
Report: 8 h 21 min
